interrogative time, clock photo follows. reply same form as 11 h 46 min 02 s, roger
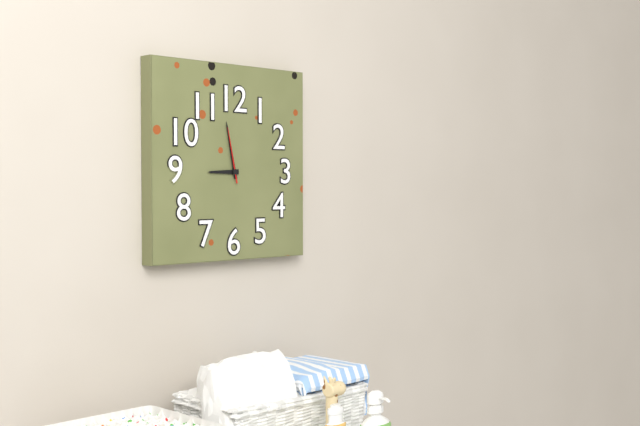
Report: 8 h 58 min 58 s
